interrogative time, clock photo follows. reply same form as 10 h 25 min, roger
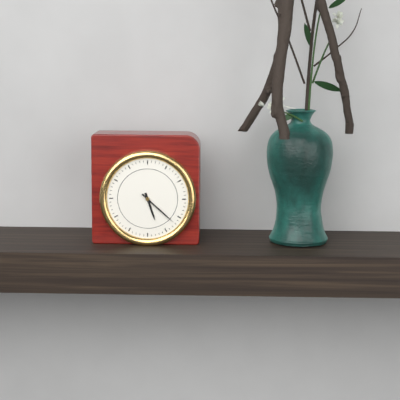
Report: 5 h 22 min
